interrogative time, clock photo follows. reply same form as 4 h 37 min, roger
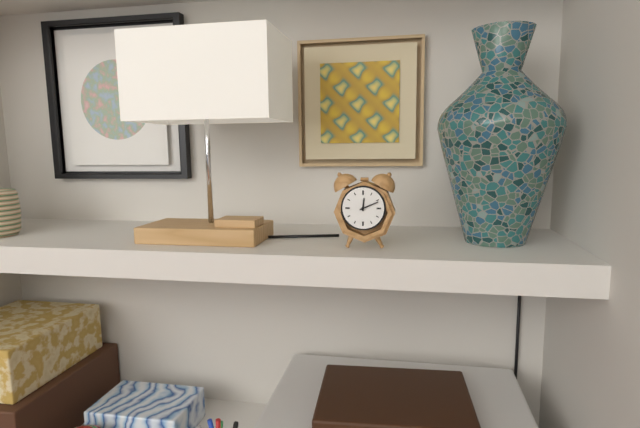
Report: 12 h 11 min
